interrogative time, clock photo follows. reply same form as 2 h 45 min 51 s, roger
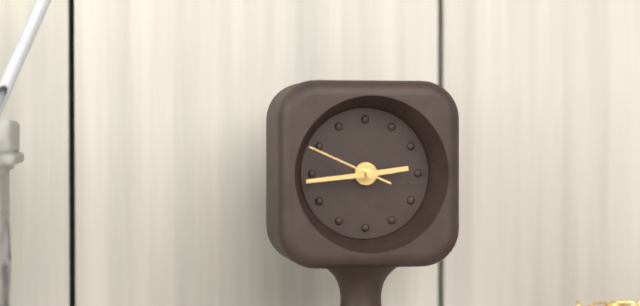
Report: 2 h 44 min 49 s
